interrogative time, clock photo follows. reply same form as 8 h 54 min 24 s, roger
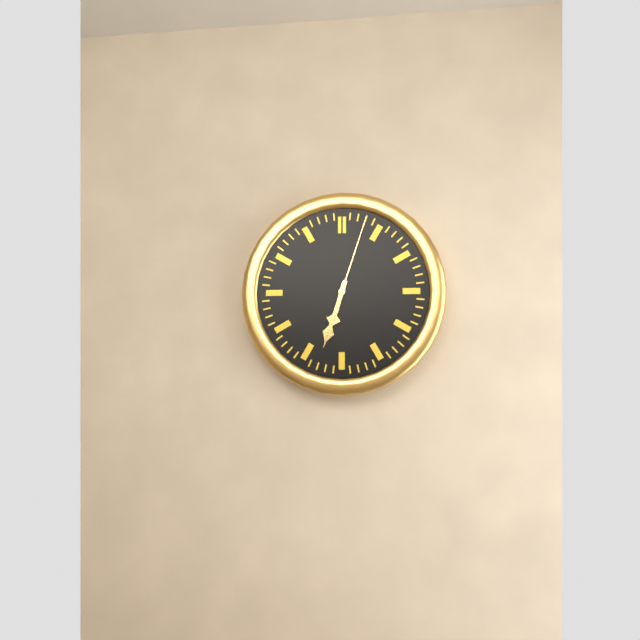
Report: 6 h 33 min 03 s
